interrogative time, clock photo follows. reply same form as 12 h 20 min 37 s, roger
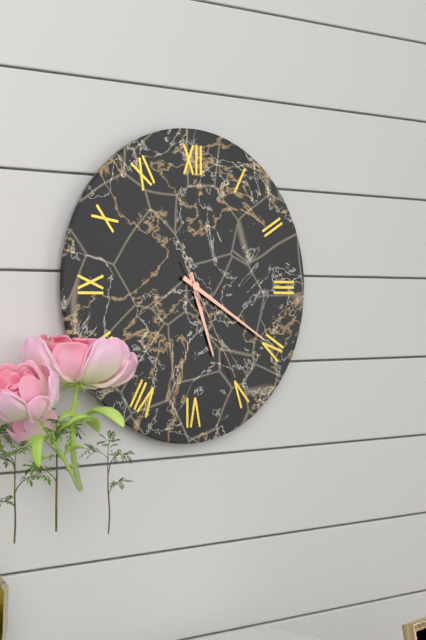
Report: 5 h 20 min 25 s
